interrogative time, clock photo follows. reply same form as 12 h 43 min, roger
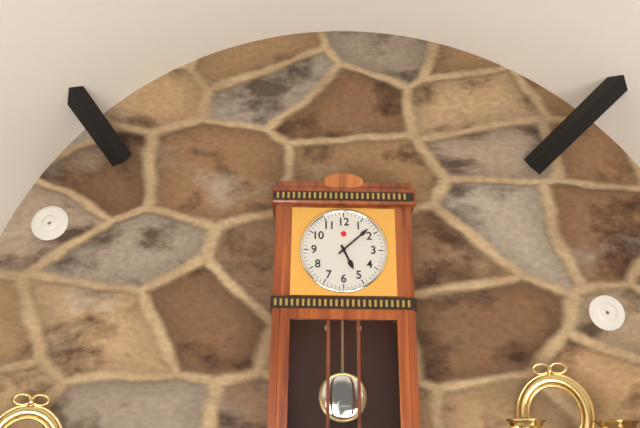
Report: 5 h 08 min
